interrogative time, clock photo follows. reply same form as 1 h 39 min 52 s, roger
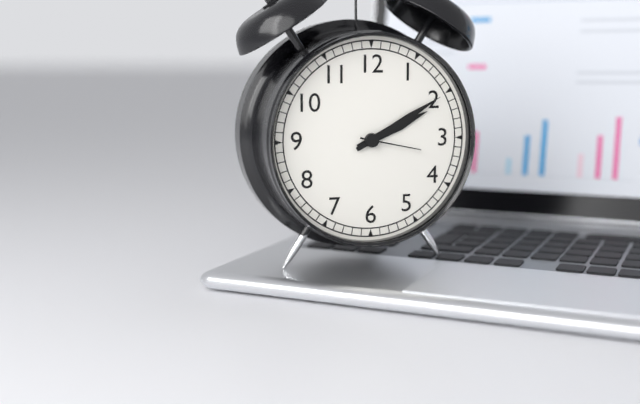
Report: 2 h 10 min 17 s
